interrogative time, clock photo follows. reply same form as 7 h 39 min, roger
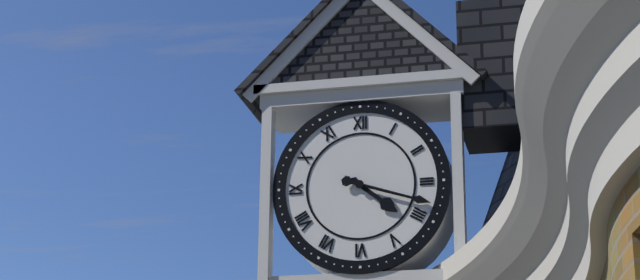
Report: 4 h 18 min
